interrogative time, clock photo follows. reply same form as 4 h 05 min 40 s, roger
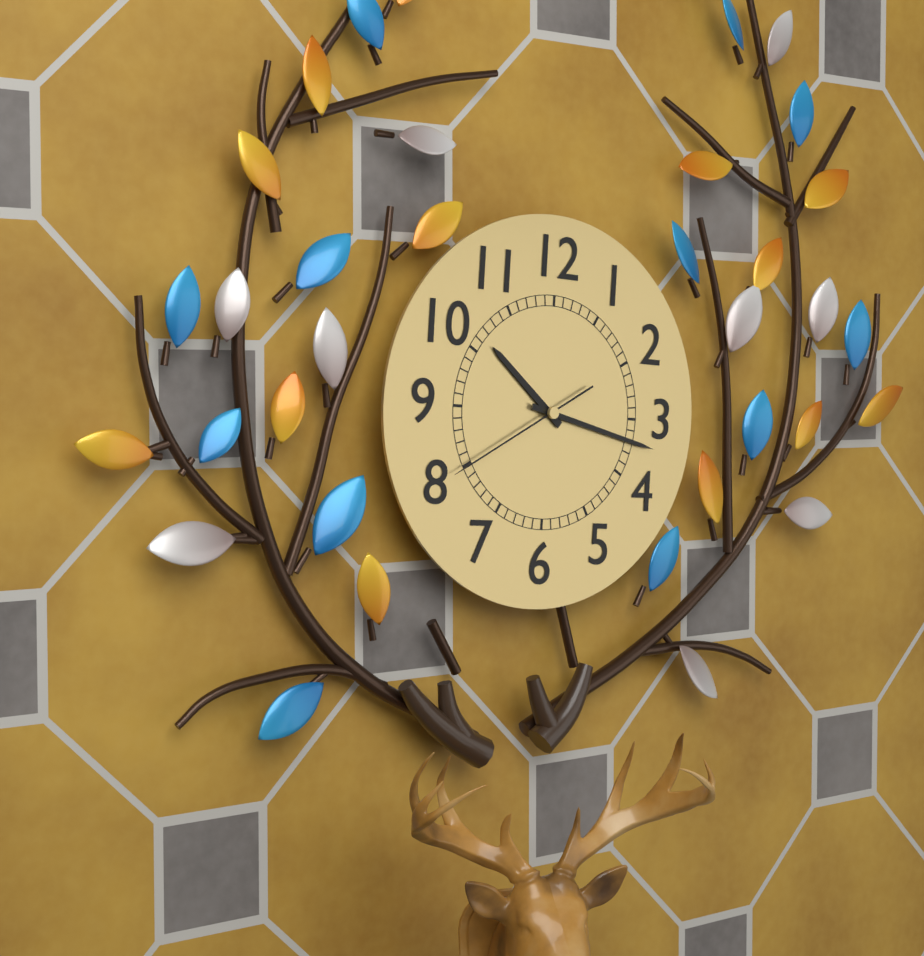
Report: 10 h 17 min 40 s
